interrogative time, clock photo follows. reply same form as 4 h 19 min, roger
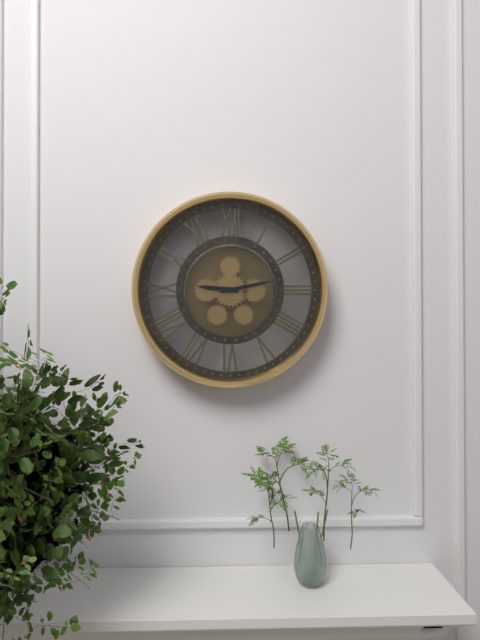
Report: 9 h 13 min
